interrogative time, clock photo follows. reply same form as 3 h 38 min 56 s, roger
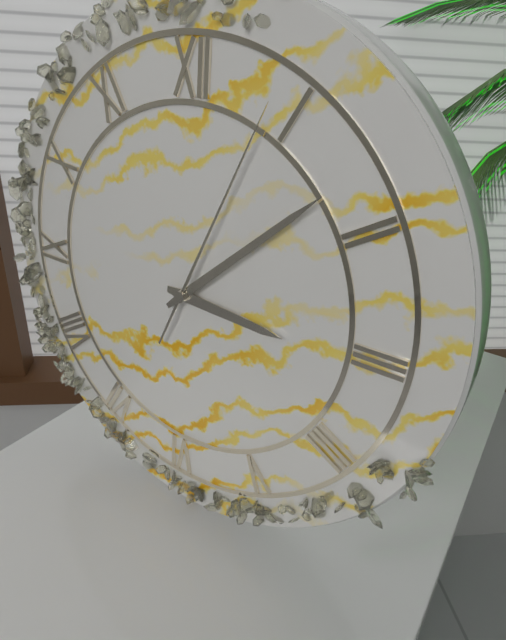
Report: 3 h 08 min 04 s
